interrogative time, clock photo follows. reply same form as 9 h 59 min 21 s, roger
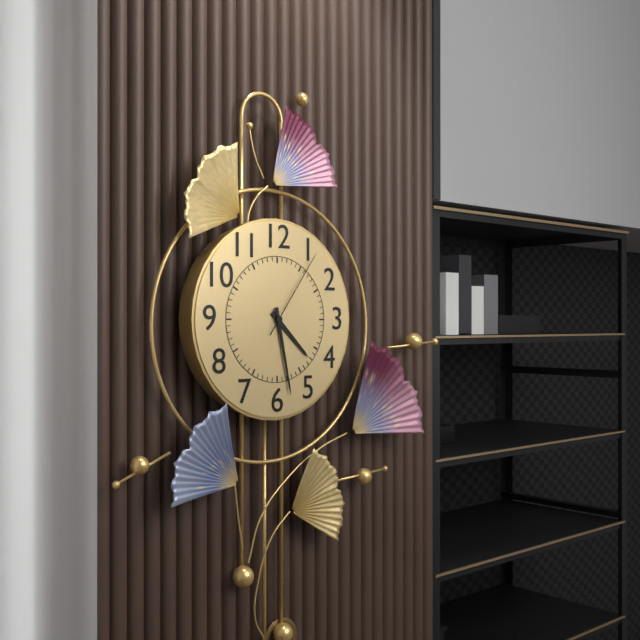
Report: 4 h 28 min 06 s
